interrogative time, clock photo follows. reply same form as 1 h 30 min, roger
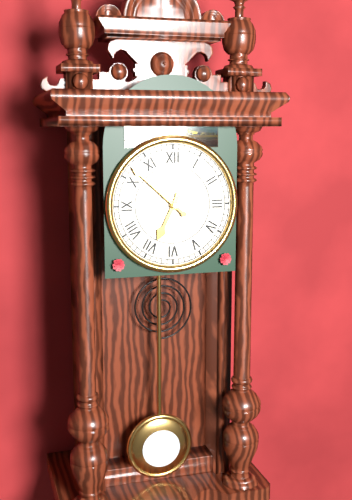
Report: 6 h 52 min
